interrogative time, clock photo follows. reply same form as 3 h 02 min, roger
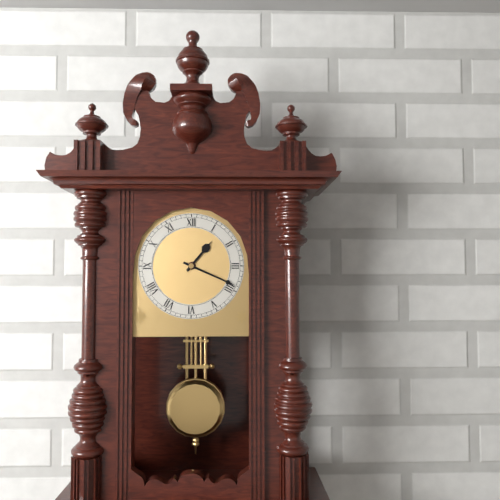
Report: 1 h 19 min
